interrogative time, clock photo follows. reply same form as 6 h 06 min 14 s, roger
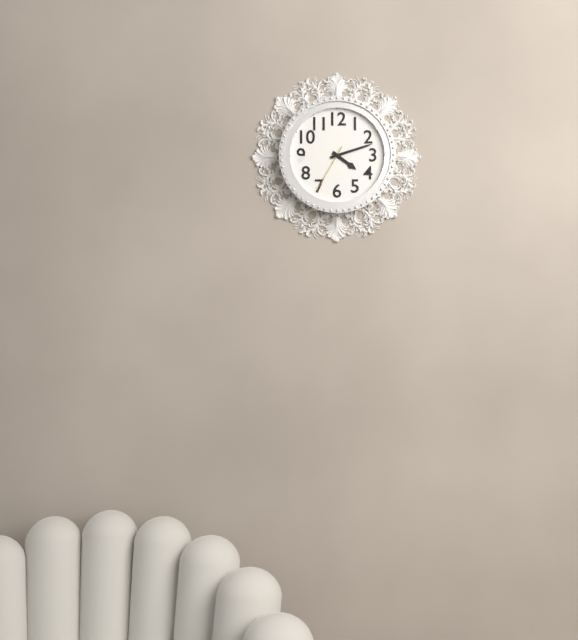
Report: 4 h 12 min 35 s
